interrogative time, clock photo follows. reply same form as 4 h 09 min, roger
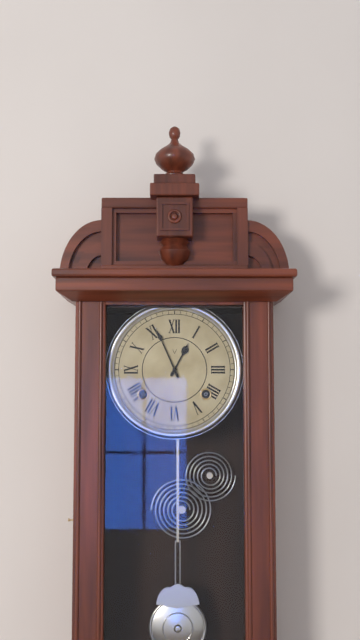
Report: 12 h 56 min
